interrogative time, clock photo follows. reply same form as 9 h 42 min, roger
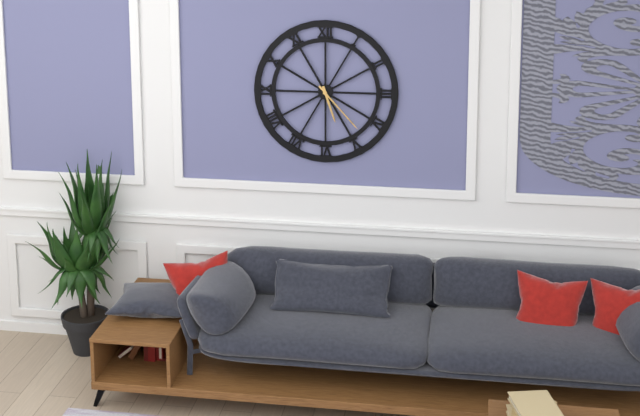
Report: 5 h 23 min
